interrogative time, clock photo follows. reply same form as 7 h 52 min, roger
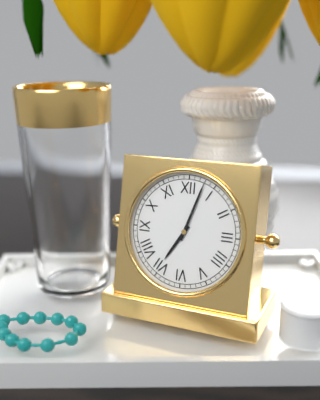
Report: 7 h 03 min
